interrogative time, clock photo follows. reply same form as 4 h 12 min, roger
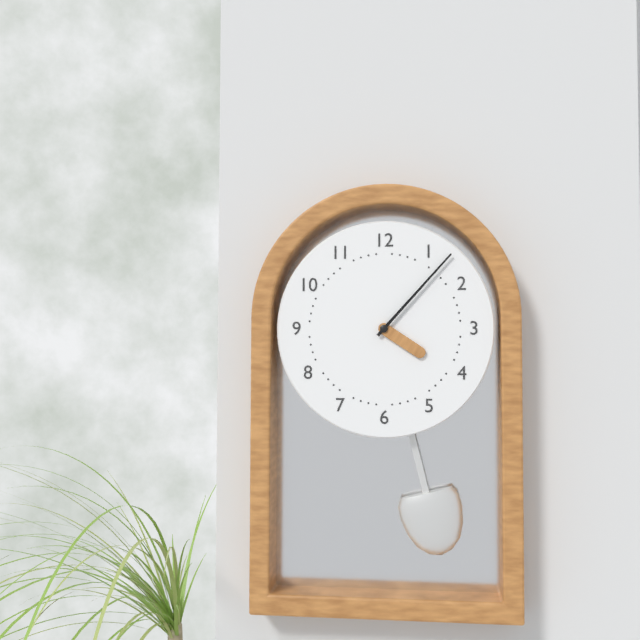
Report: 4 h 07 min
